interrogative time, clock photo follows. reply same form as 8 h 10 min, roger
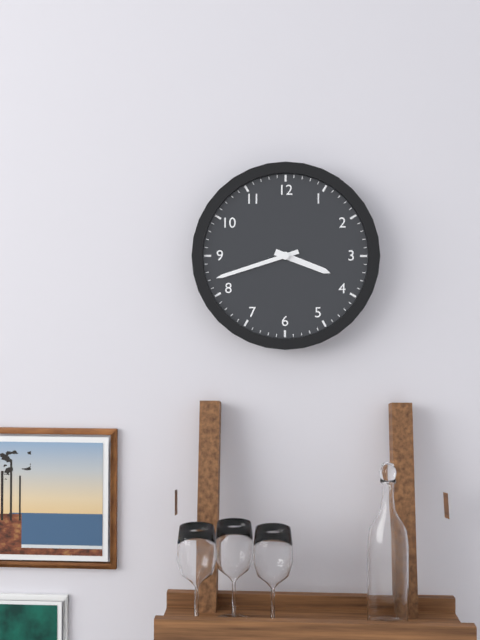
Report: 3 h 42 min
